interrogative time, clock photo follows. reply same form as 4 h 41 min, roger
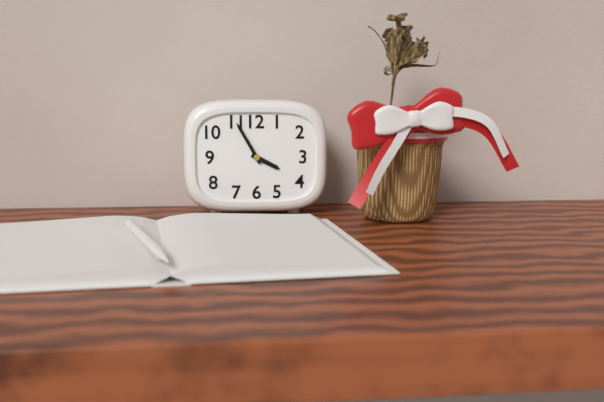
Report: 3 h 55 min
